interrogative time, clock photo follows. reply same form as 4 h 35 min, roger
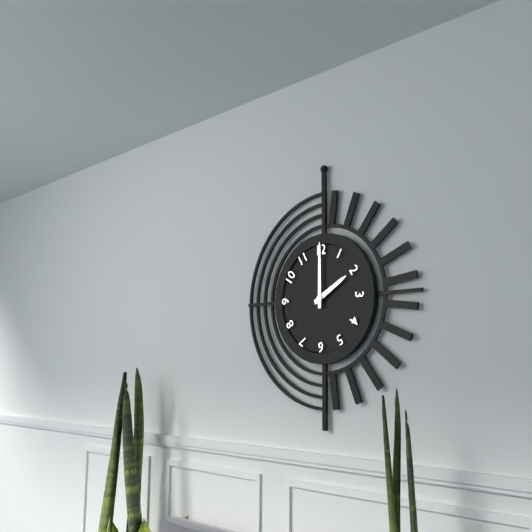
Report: 2 h 00 min
